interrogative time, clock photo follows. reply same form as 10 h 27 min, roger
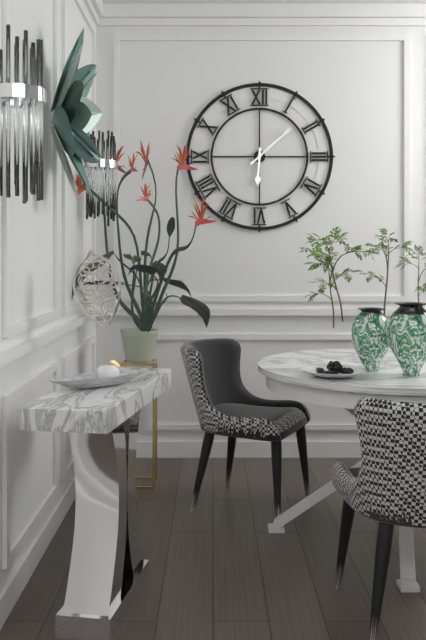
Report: 6 h 08 min
